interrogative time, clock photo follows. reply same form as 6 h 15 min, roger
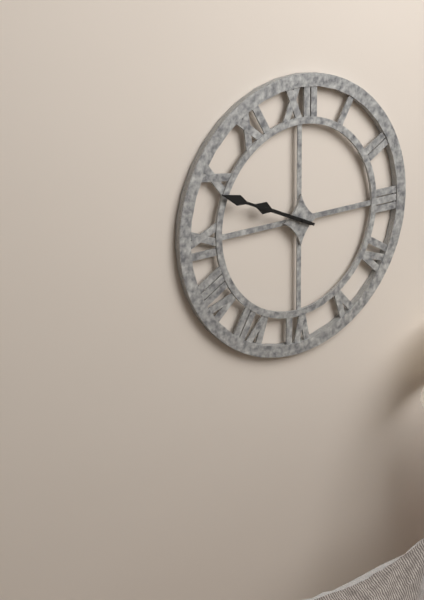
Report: 9 h 49 min
